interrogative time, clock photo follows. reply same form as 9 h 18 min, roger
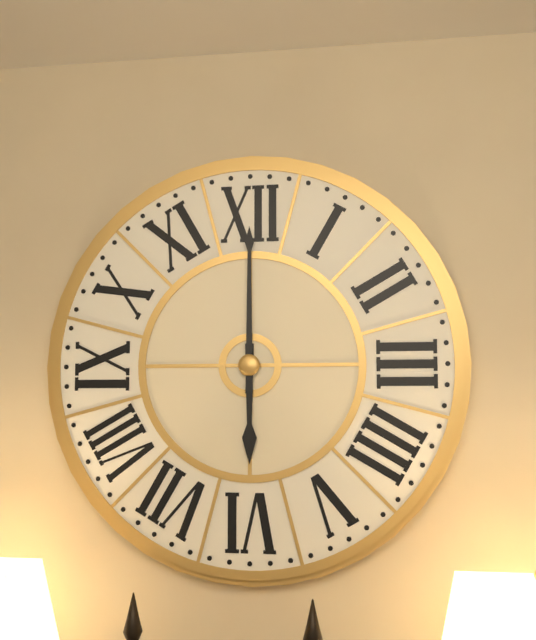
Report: 6 h 00 min
